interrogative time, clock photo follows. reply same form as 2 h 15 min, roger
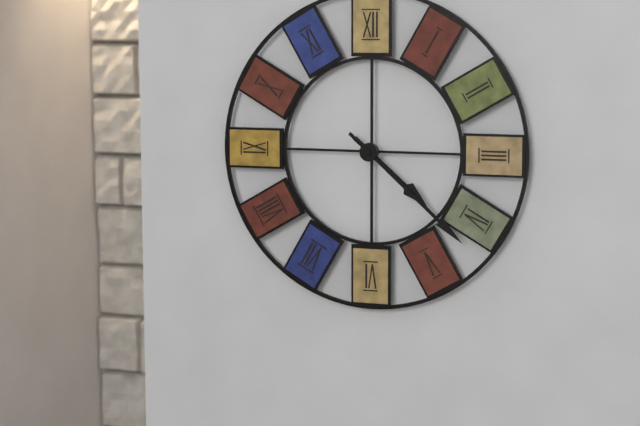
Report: 4 h 22 min
